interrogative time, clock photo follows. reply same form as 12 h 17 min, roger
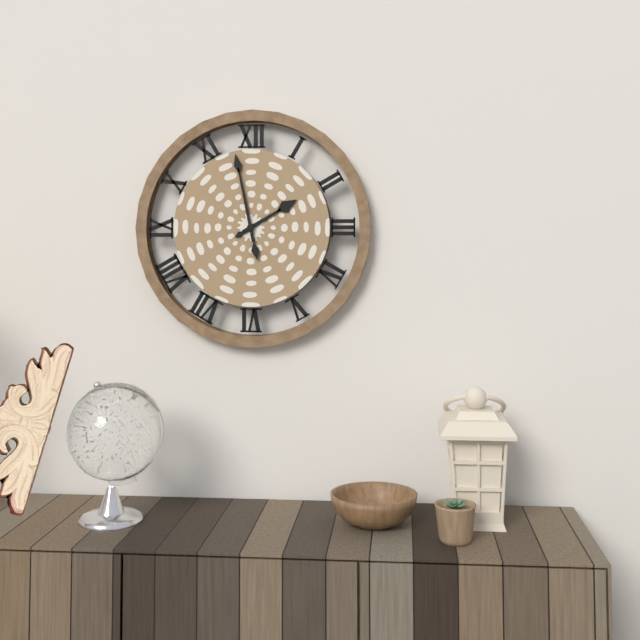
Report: 1 h 58 min
